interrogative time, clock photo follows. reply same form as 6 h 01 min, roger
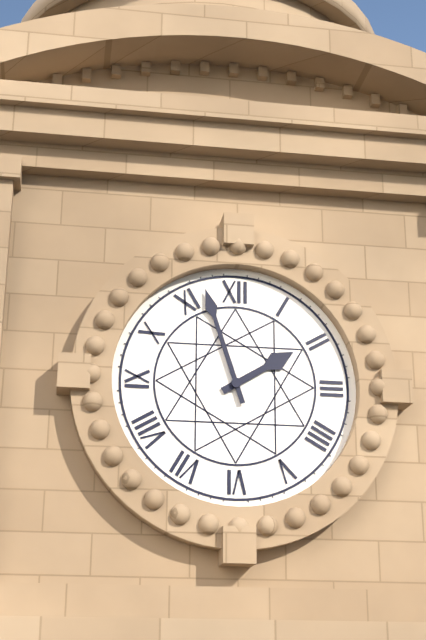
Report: 1 h 57 min
